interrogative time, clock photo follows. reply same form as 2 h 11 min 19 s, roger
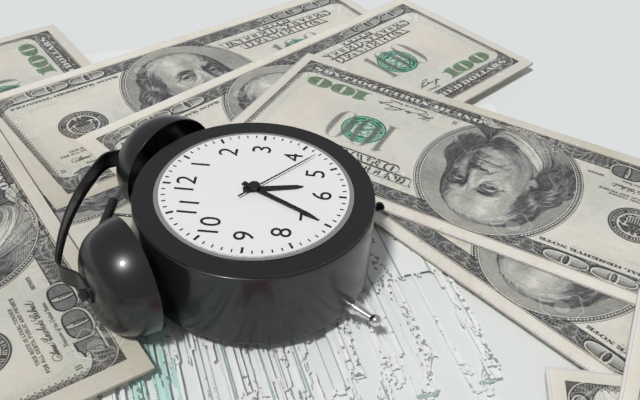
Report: 5 h 35 min 22 s
